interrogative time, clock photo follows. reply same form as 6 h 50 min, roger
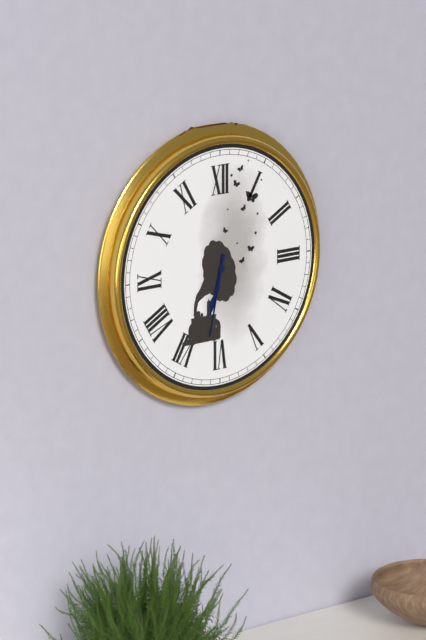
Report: 6 h 32 min
